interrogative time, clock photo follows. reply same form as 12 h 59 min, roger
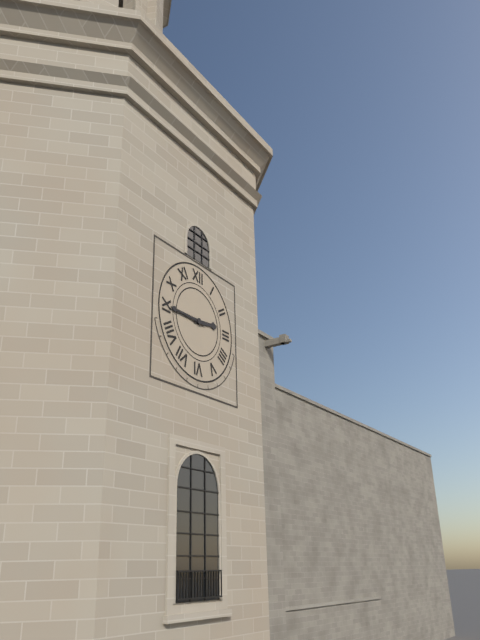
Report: 2 h 45 min
